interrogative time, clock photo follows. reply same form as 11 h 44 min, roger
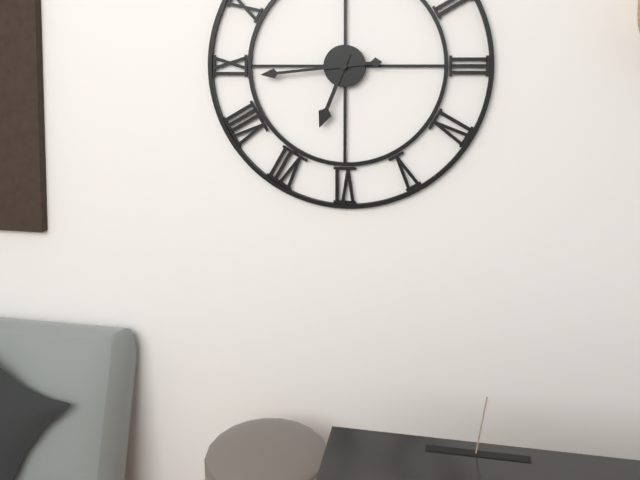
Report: 6 h 44 min
